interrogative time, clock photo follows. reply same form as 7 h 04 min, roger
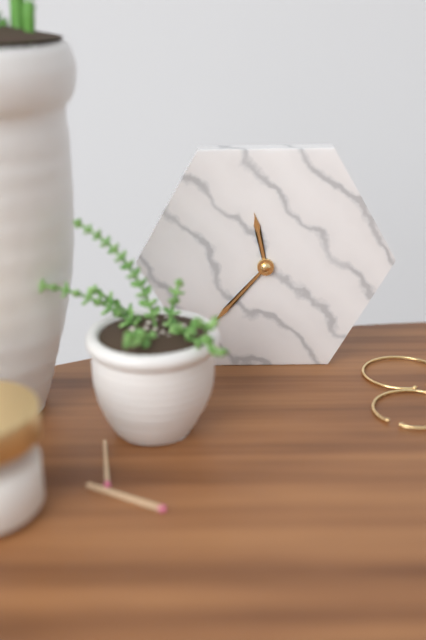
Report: 11 h 37 min
